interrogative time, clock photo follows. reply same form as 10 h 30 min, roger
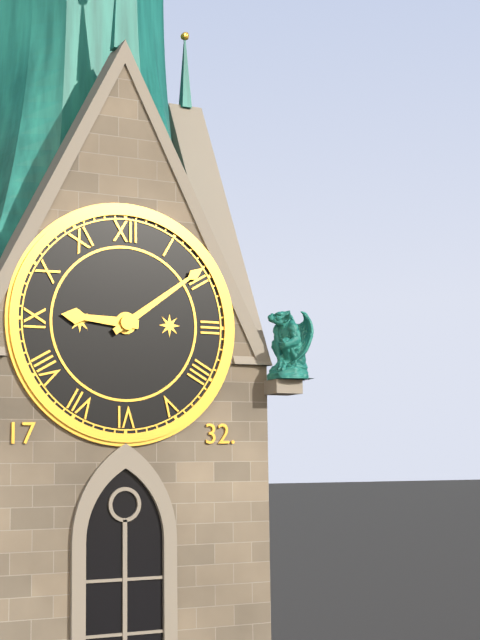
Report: 9 h 09 min
